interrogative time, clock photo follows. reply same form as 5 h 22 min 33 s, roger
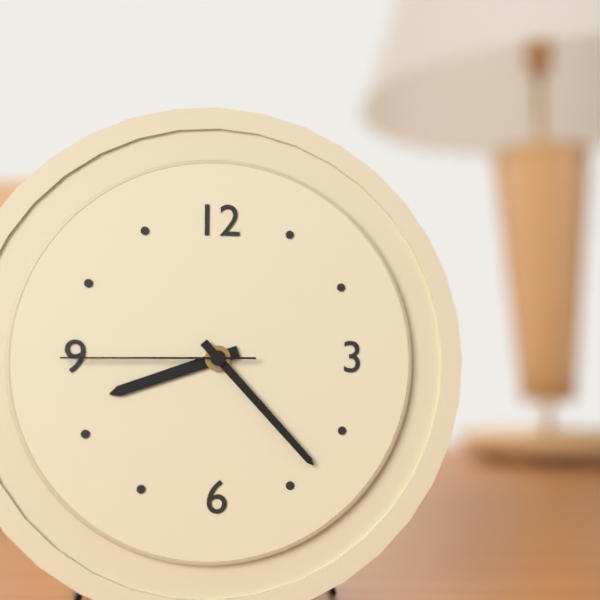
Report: 8 h 23 min 45 s
